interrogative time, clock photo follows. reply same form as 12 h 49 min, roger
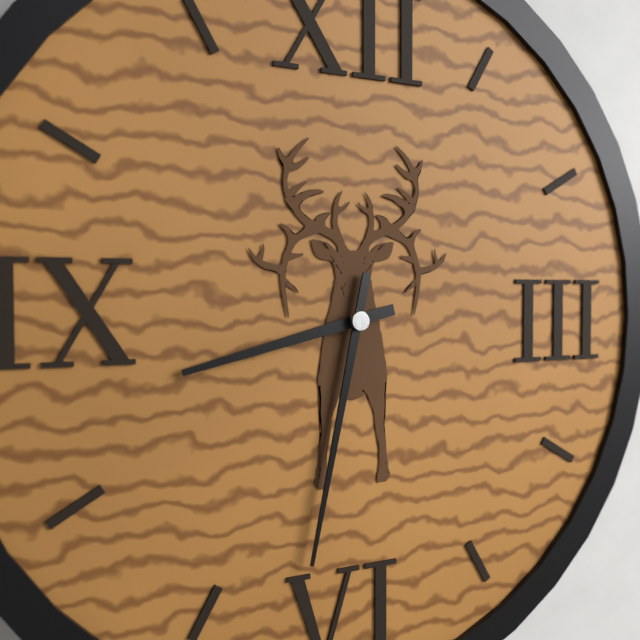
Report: 8 h 32 min
